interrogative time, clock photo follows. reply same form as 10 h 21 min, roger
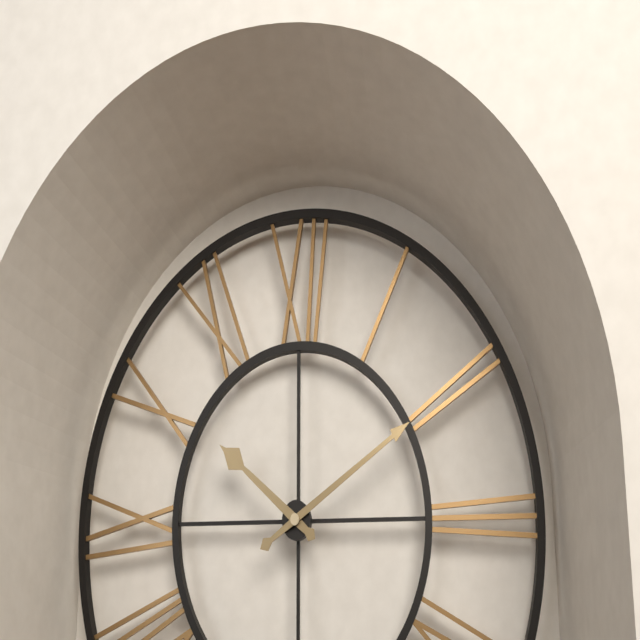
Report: 10 h 10 min
